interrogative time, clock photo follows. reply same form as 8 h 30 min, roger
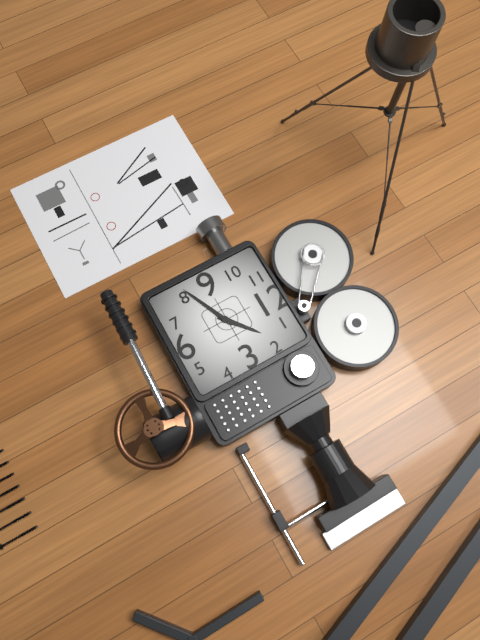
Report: 1 h 41 min
